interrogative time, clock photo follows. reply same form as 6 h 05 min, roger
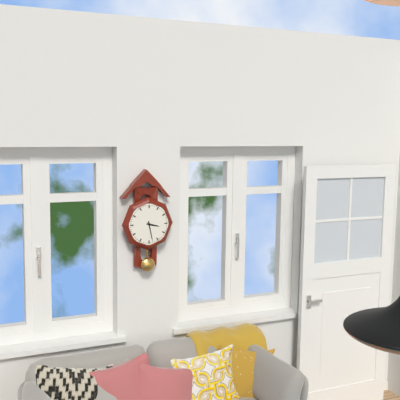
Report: 3 h 28 min
